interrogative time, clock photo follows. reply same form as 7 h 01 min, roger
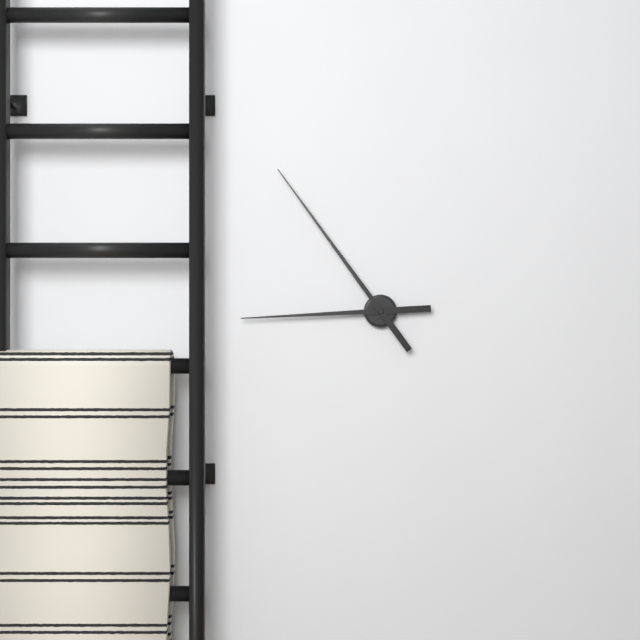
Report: 8 h 54 min
